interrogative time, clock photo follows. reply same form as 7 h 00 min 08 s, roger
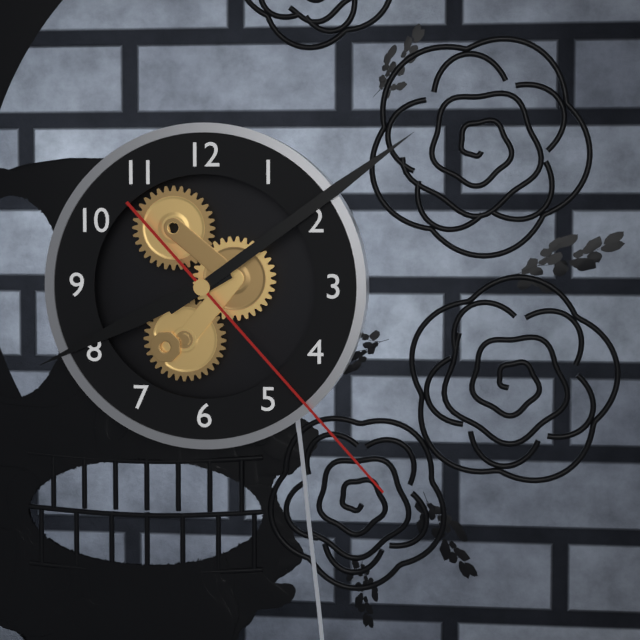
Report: 8 h 09 min 23 s
